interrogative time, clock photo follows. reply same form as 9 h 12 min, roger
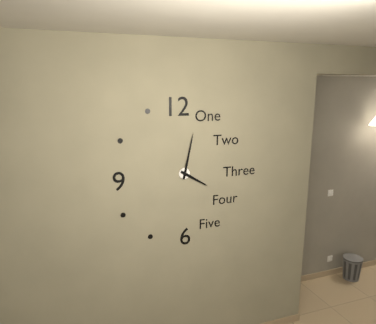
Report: 4 h 02 min
